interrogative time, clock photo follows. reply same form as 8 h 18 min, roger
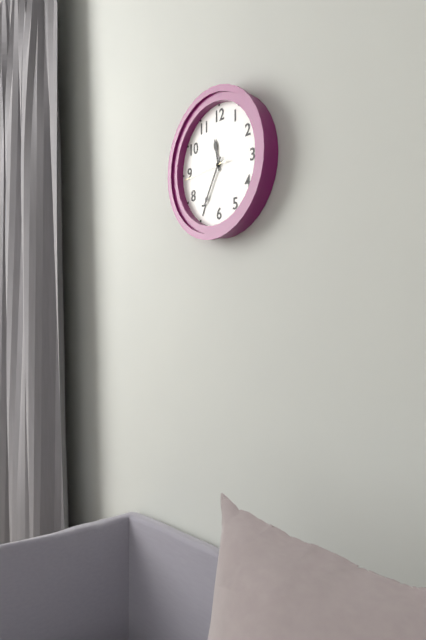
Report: 11 h 35 min
